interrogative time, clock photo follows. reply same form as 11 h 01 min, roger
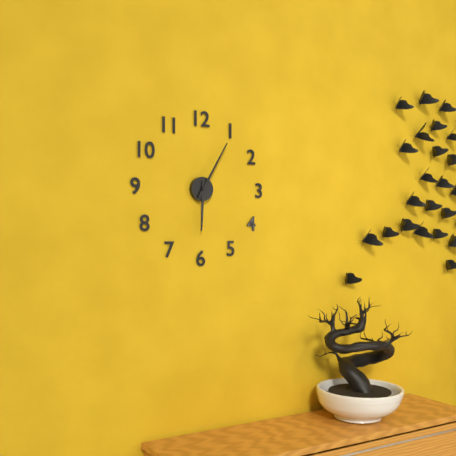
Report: 6 h 05 min
